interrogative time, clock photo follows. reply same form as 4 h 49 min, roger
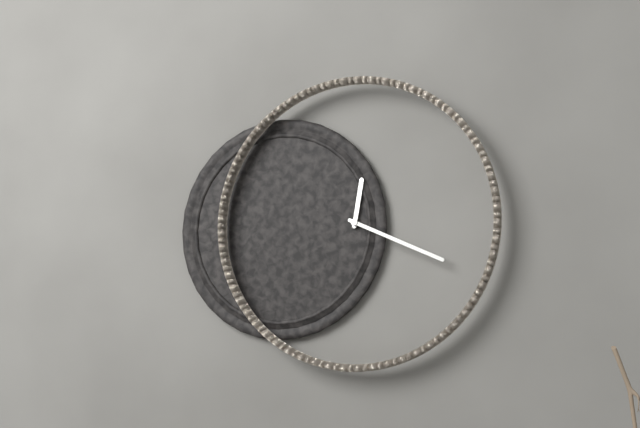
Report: 12 h 19 min
